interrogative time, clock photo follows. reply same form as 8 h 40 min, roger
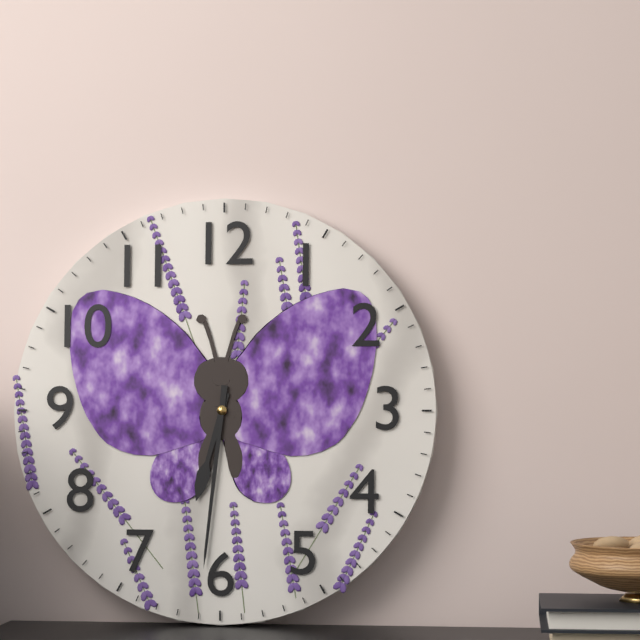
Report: 6 h 31 min
